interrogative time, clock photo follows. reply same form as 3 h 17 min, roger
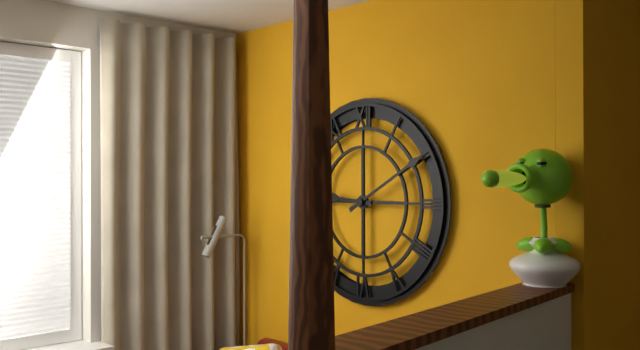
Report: 9 h 10 min
